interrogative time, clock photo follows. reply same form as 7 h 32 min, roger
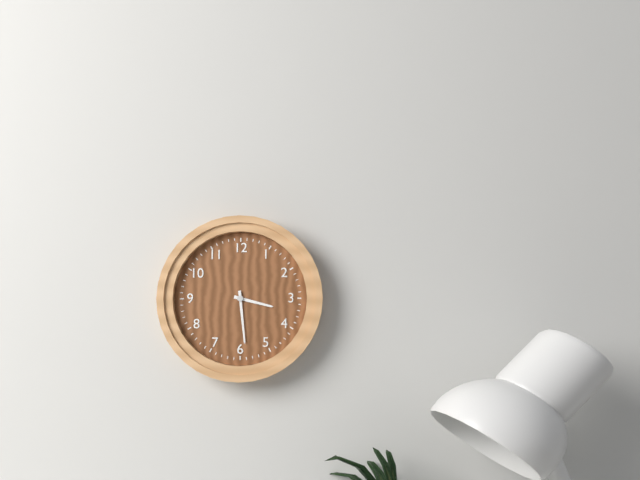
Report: 3 h 29 min
